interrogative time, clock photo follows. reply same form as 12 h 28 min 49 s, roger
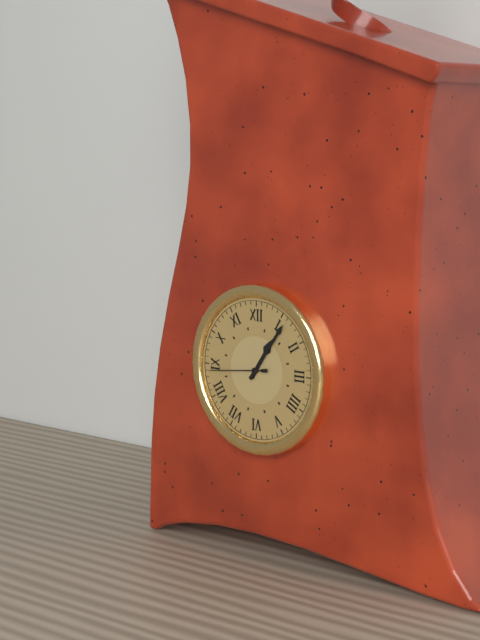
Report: 1 h 06 min 44 s
